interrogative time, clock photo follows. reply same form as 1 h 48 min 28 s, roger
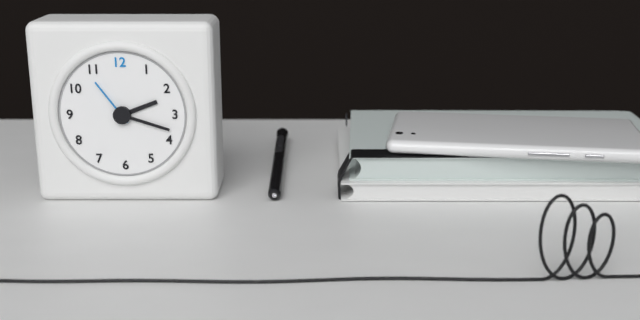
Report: 2 h 18 min 54 s
